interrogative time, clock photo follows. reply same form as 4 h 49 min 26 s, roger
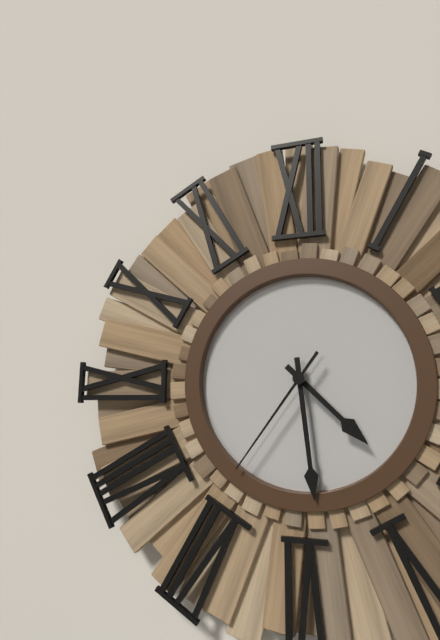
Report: 4 h 29 min 36 s
